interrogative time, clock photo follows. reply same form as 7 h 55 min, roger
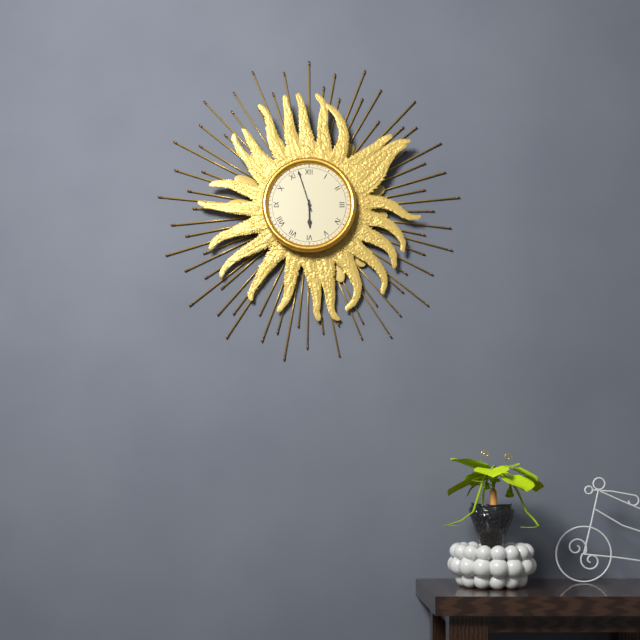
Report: 5 h 57 min
